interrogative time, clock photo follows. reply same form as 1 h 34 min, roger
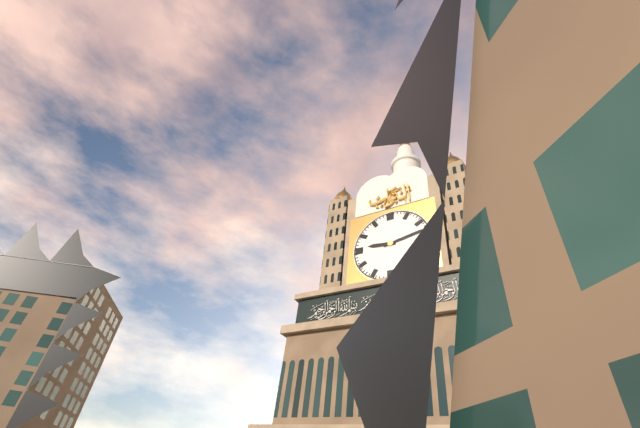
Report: 9 h 13 min
